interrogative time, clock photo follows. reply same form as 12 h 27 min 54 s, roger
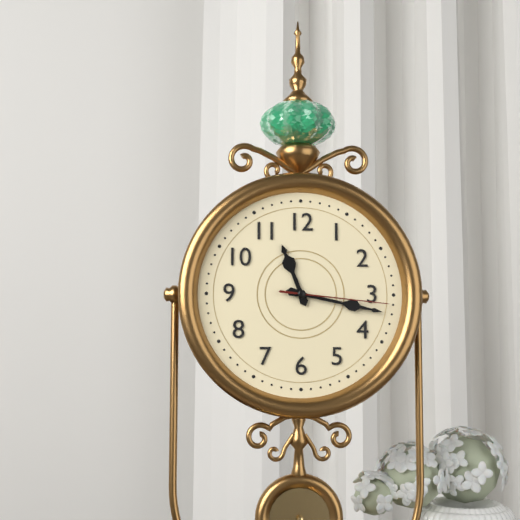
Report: 11 h 17 min 16 s
